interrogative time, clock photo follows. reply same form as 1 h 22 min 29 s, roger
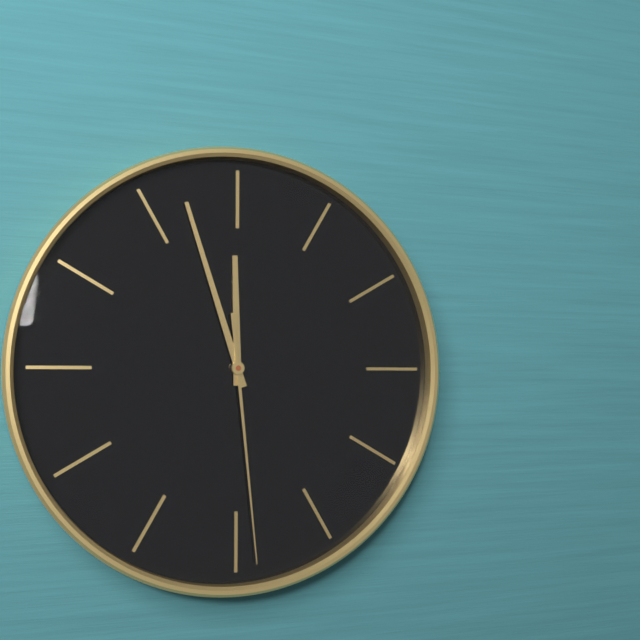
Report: 11 h 57 min 29 s
